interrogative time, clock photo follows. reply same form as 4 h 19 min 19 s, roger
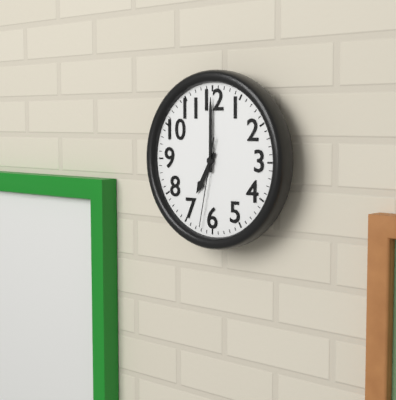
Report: 7 h 00 min 32 s
